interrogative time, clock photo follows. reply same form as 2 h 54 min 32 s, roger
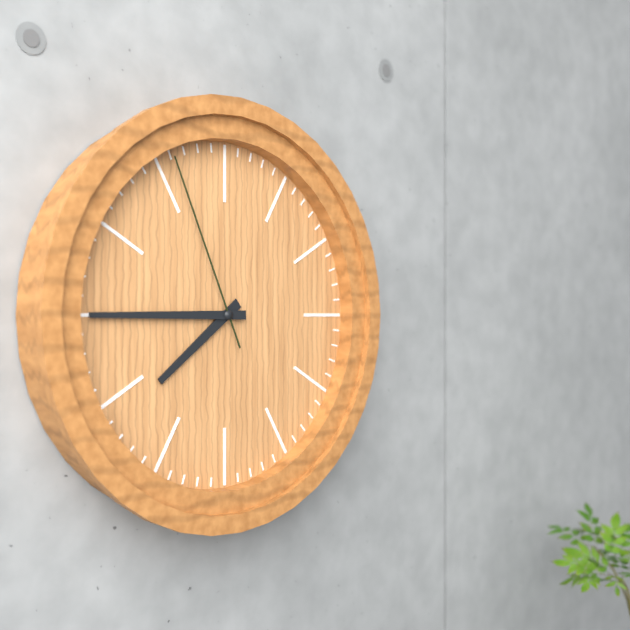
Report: 7 h 45 min 56 s
